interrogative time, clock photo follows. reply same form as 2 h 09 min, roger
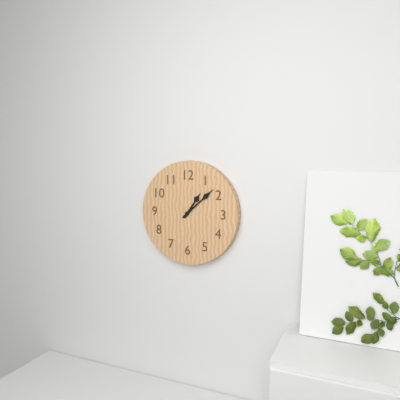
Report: 1 h 08 min
